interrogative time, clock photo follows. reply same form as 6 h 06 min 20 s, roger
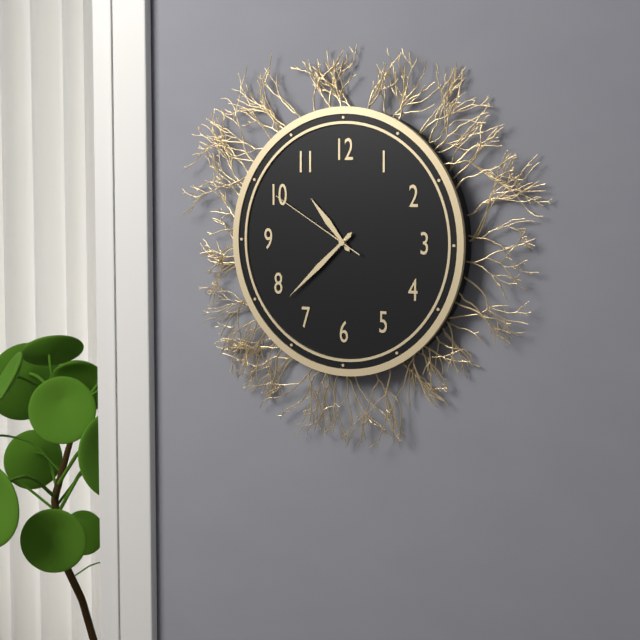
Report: 10 h 38 min 50 s
